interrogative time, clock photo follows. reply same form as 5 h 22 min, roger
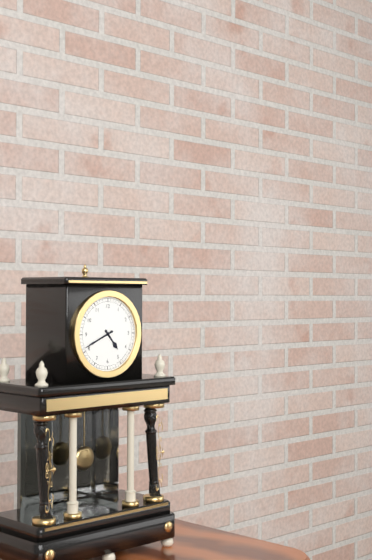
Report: 4 h 41 min
